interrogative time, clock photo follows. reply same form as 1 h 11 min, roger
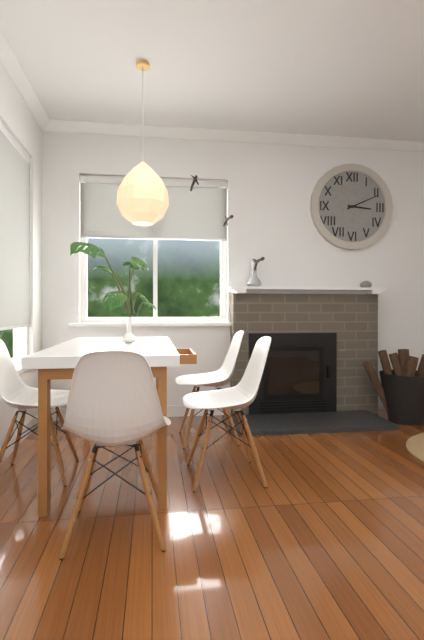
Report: 3 h 11 min
